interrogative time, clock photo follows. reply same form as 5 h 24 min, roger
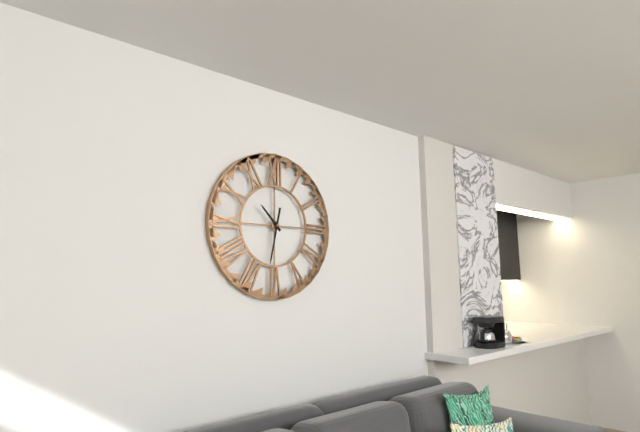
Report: 10 h 32 min
